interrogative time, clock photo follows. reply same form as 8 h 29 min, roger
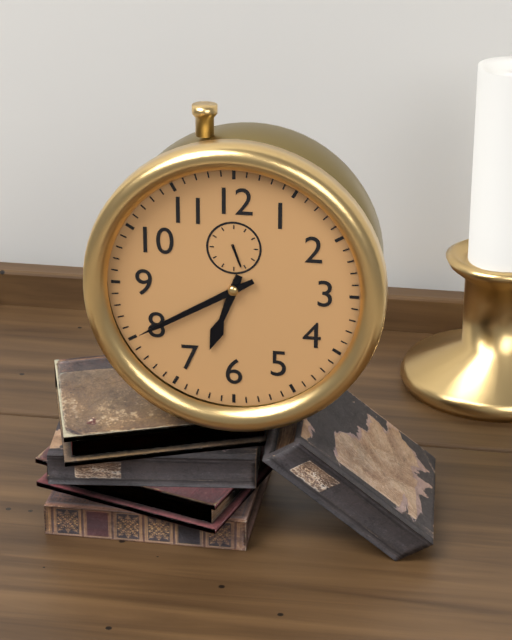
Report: 6 h 40 min
